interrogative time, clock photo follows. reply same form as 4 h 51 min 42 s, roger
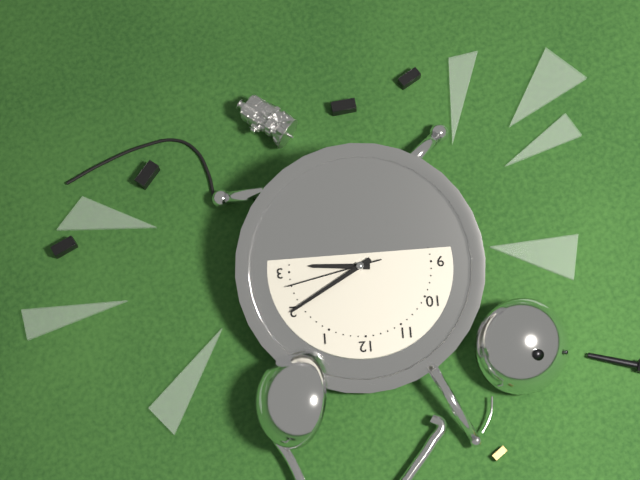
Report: 3 h 10 min 13 s
